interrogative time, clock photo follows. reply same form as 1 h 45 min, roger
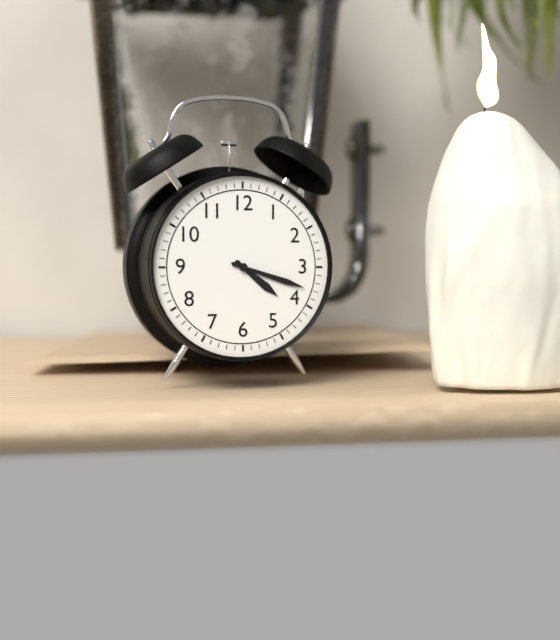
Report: 4 h 18 min
